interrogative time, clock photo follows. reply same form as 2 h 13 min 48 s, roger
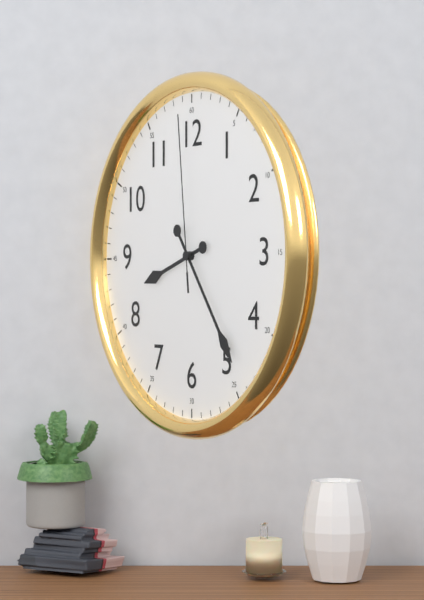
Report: 8 h 24 min 59 s
